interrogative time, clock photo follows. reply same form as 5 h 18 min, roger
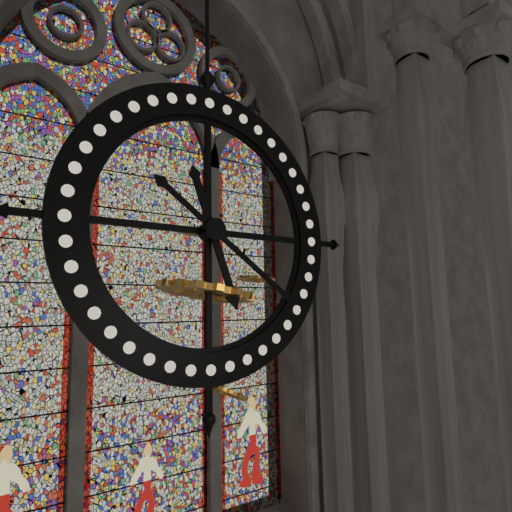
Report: 5 h 21 min
